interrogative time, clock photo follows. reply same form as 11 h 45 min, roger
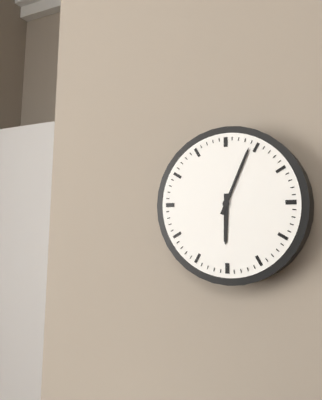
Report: 6 h 04 min
